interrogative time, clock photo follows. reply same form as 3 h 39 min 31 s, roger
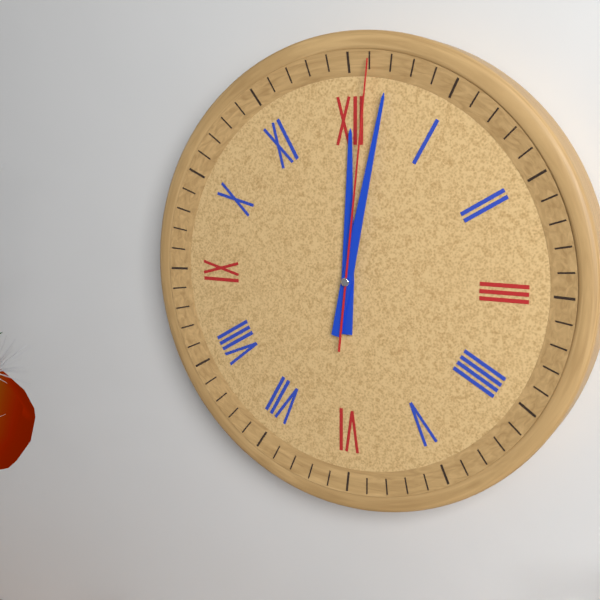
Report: 12 h 02 min 01 s
